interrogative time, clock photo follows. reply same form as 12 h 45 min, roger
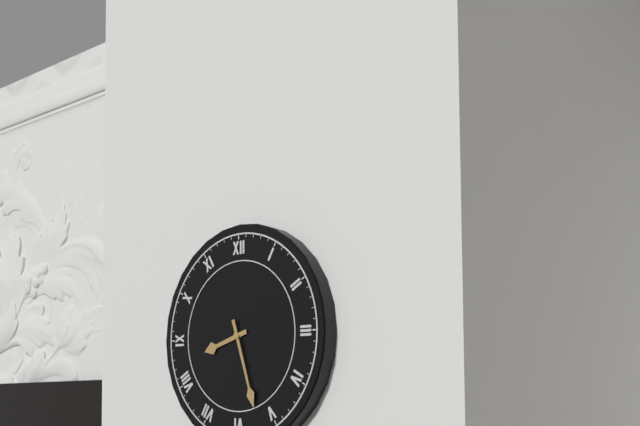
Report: 8 h 27 min
